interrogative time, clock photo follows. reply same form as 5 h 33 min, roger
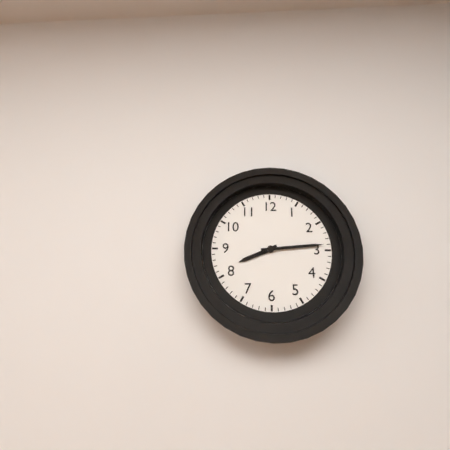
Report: 8 h 14 min
